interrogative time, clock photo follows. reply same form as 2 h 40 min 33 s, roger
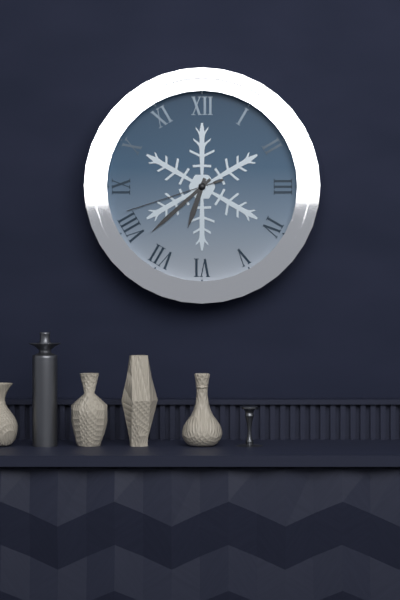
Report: 6 h 38 min 42 s
